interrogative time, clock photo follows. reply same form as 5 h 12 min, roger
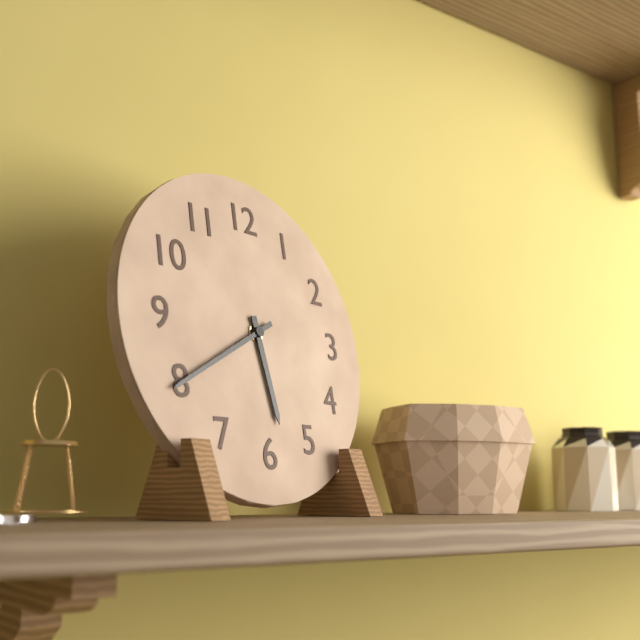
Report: 5 h 40 min
